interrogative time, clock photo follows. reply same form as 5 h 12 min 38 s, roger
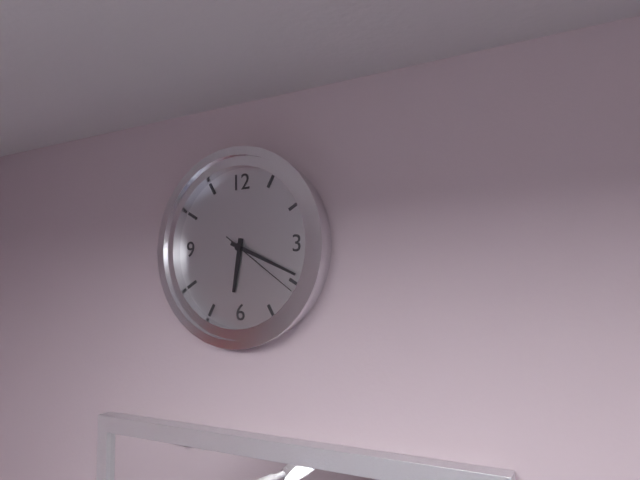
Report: 6 h 19 min 21 s
